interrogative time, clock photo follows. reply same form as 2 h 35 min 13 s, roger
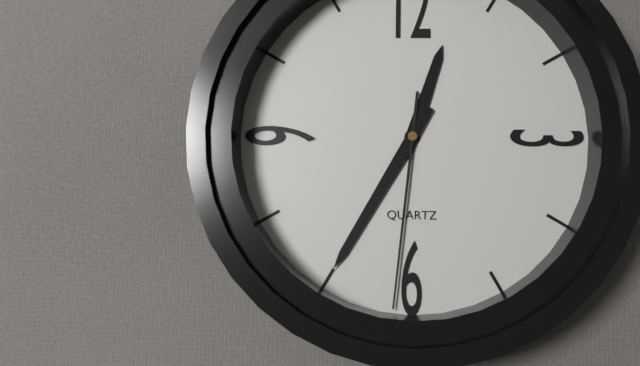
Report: 12 h 35 min 31 s
